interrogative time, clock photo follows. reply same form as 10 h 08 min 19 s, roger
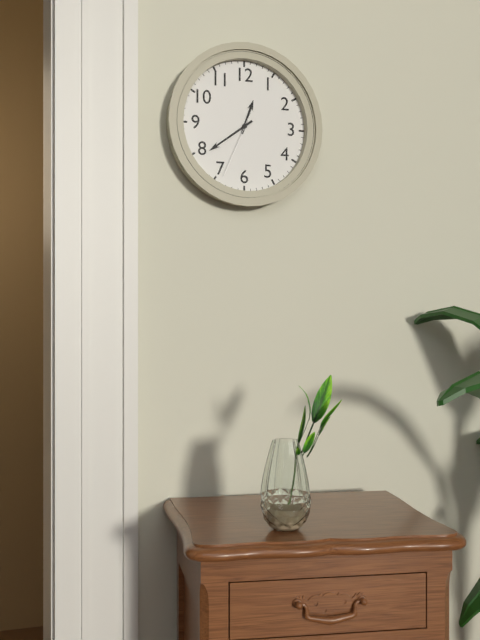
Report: 12 h 39 min 34 s
